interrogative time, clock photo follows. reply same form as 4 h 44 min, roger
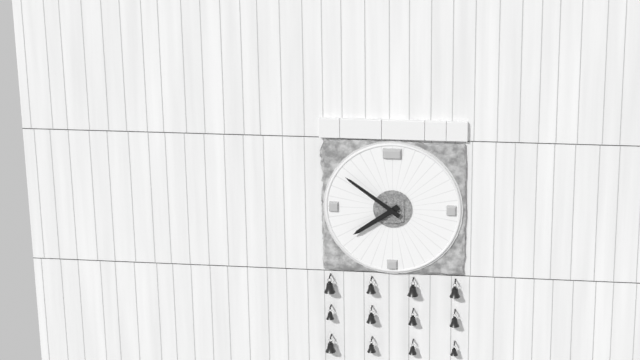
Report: 7 h 51 min
